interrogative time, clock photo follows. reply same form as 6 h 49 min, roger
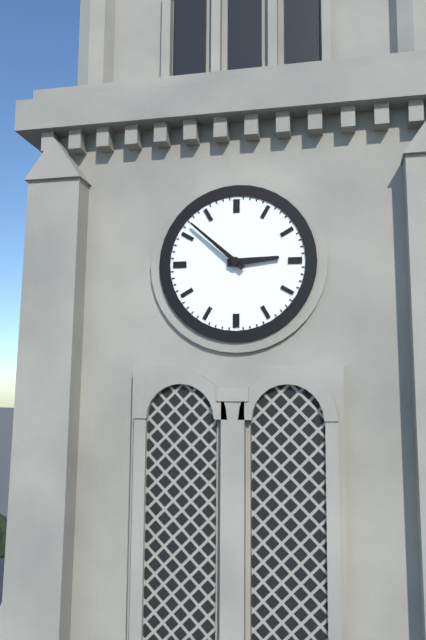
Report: 2 h 52 min
